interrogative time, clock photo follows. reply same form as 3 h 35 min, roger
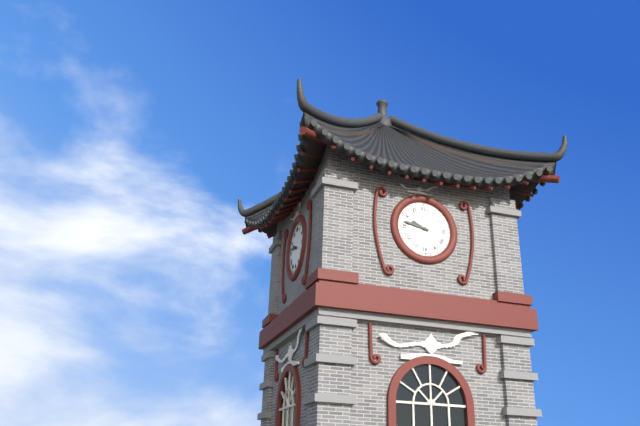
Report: 9 h 47 min
